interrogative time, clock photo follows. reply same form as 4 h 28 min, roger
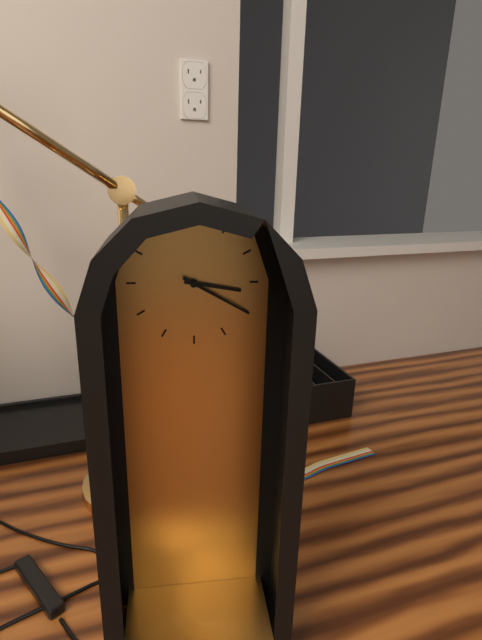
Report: 3 h 20 min
